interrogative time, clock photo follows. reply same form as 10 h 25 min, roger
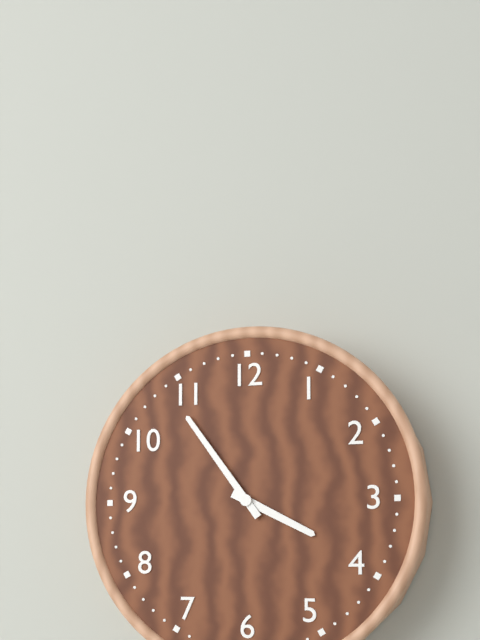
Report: 3 h 54 min
